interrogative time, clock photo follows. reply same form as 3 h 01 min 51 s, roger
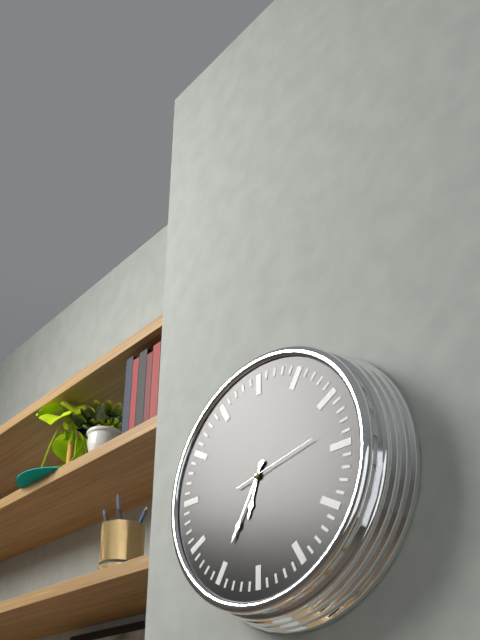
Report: 6 h 35 min 13 s
